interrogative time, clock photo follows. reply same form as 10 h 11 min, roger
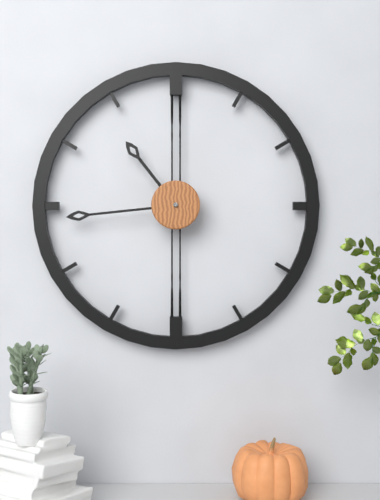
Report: 10 h 44 min
